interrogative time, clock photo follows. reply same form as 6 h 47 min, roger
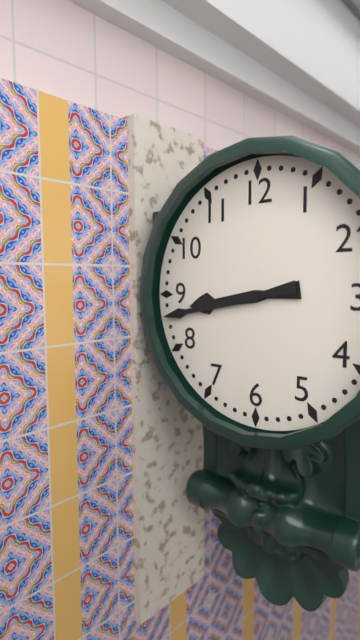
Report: 8 h 43 min
